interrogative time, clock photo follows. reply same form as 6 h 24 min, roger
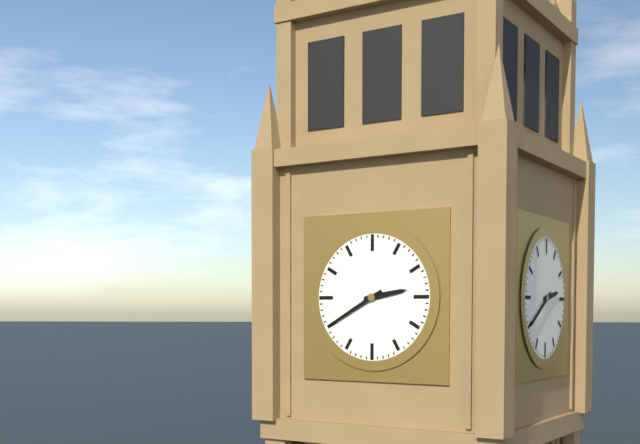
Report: 2 h 40 min
